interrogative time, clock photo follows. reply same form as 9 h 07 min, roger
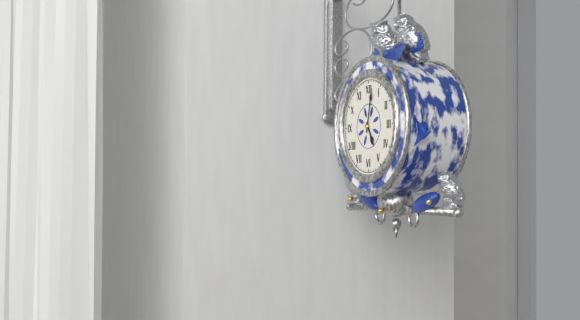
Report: 5 h 02 min
